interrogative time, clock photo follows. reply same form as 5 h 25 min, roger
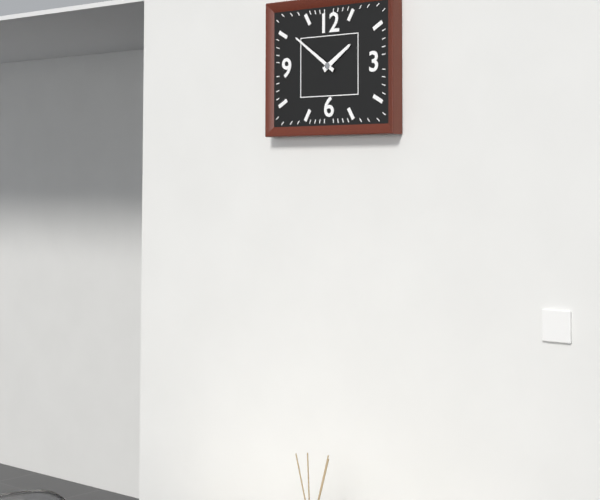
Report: 1 h 51 min
